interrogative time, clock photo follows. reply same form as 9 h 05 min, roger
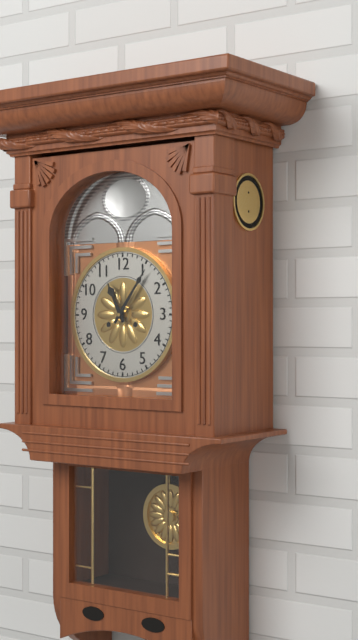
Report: 11 h 06 min
